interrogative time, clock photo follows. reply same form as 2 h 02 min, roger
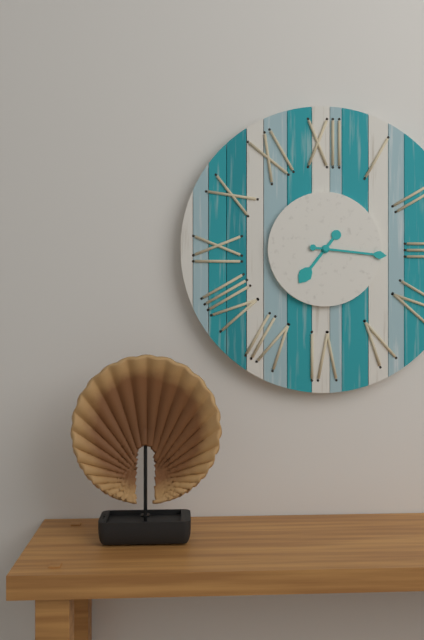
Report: 7 h 16 min
